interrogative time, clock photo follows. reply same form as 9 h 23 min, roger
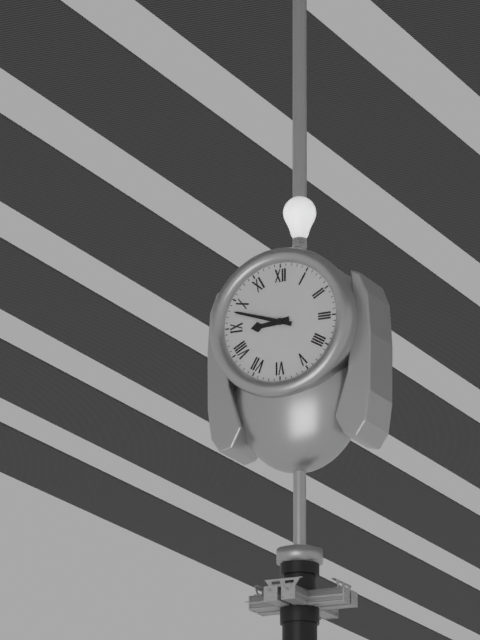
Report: 8 h 48 min
